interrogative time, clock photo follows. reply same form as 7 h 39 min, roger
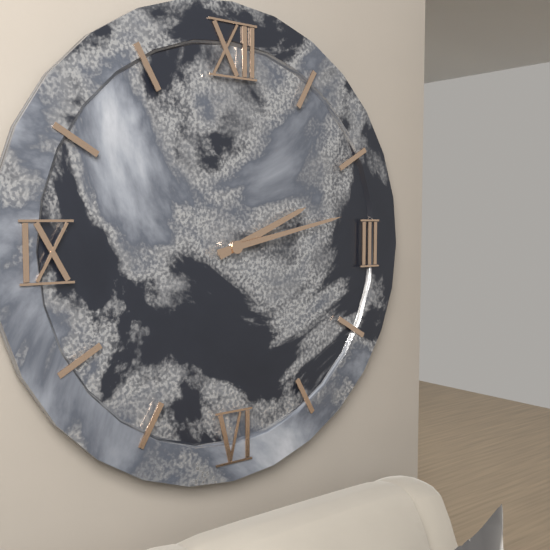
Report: 2 h 13 min
